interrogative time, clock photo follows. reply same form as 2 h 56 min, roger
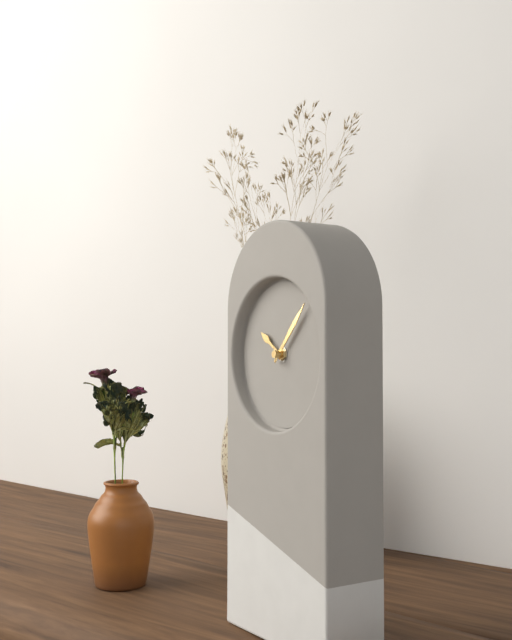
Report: 10 h 07 min
